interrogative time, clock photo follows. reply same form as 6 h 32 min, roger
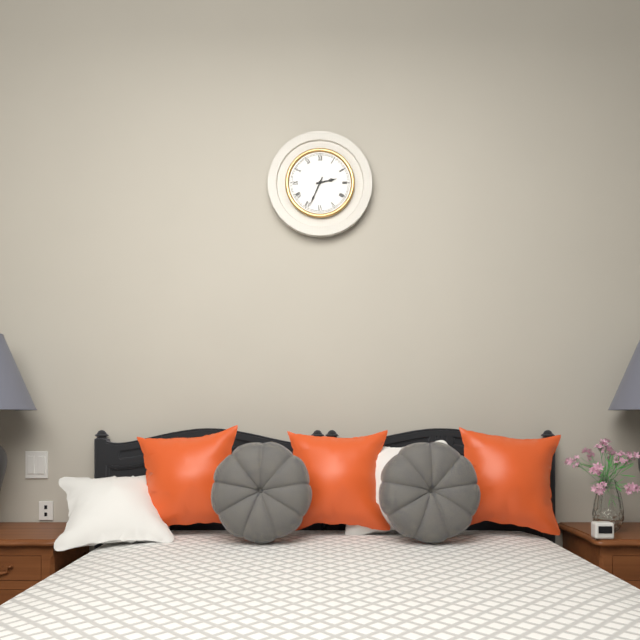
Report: 2 h 34 min
